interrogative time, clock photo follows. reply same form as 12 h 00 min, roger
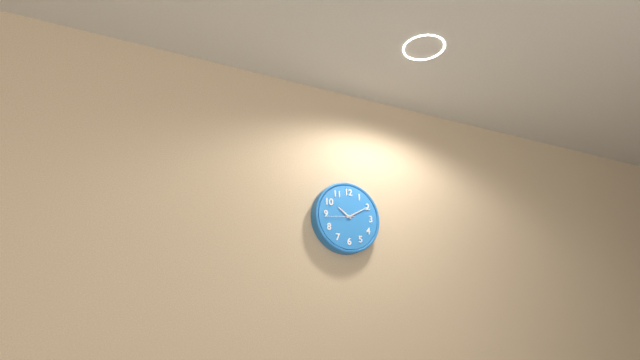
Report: 10 h 10 min
